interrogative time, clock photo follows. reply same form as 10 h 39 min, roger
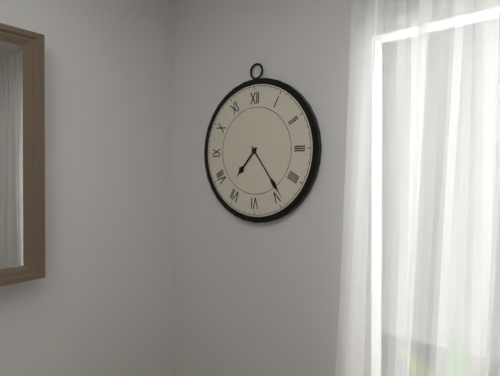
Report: 7 h 24 min
